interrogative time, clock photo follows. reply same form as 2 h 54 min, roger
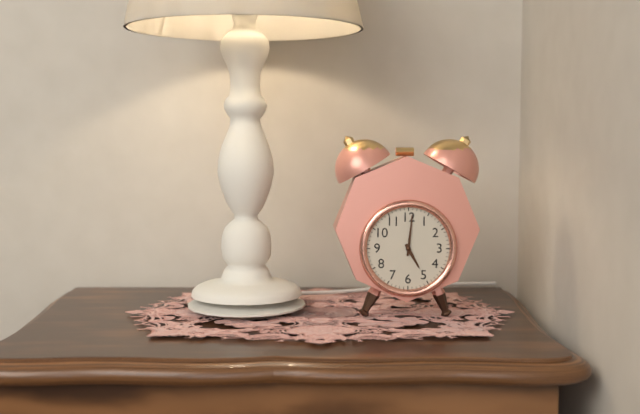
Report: 5 h 01 min
